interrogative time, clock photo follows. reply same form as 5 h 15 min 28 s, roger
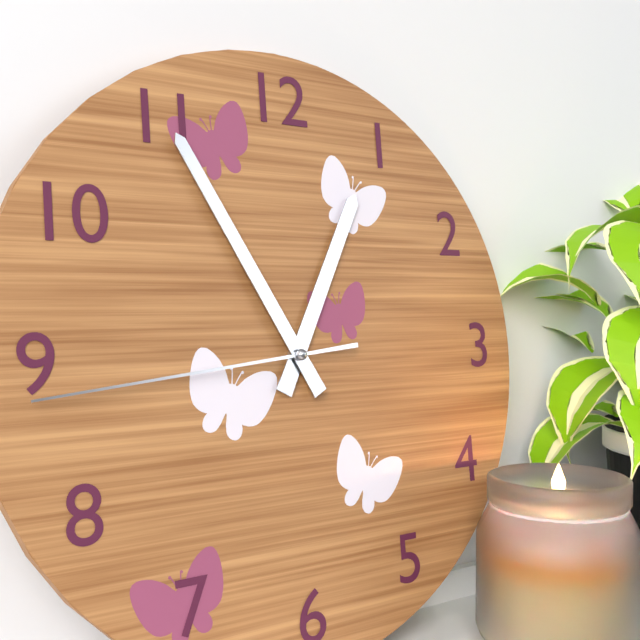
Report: 12 h 55 min 44 s
